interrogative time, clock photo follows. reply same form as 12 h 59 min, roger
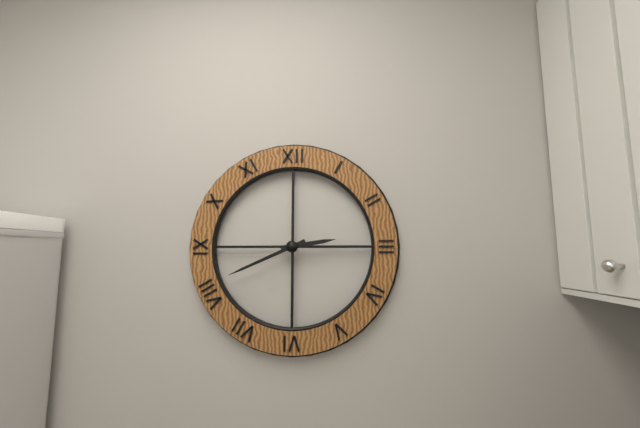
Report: 2 h 41 min
